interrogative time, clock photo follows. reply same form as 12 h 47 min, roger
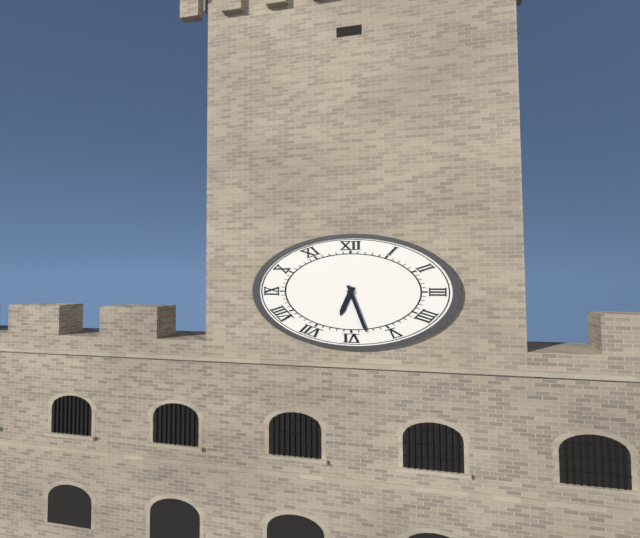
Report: 6 h 28 min
